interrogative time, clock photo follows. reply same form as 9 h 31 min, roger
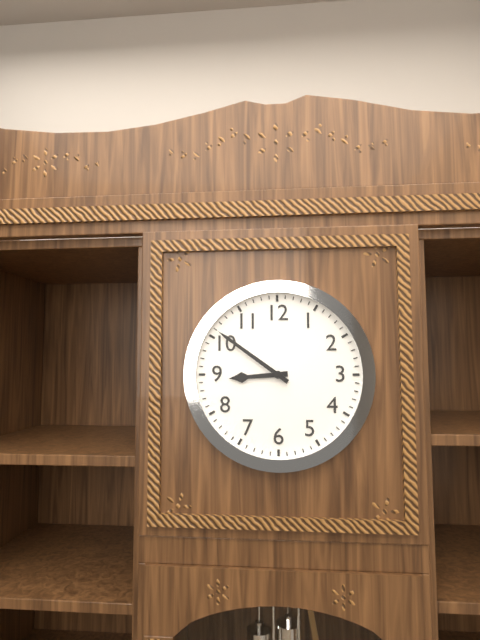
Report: 8 h 51 min
